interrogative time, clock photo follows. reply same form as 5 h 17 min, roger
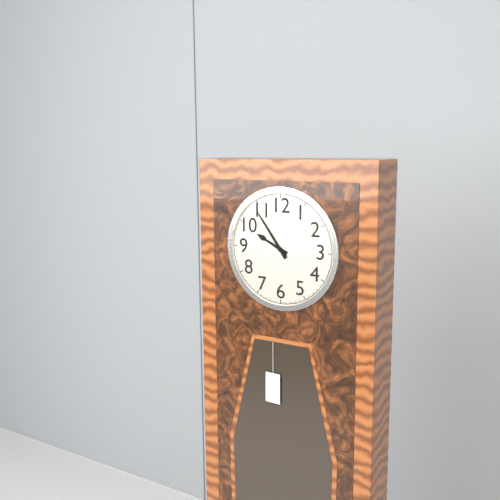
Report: 9 h 54 min
